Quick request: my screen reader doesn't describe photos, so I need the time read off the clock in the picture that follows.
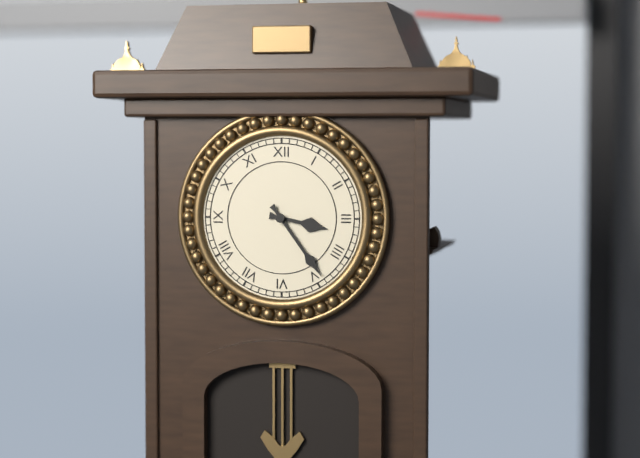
3:24
